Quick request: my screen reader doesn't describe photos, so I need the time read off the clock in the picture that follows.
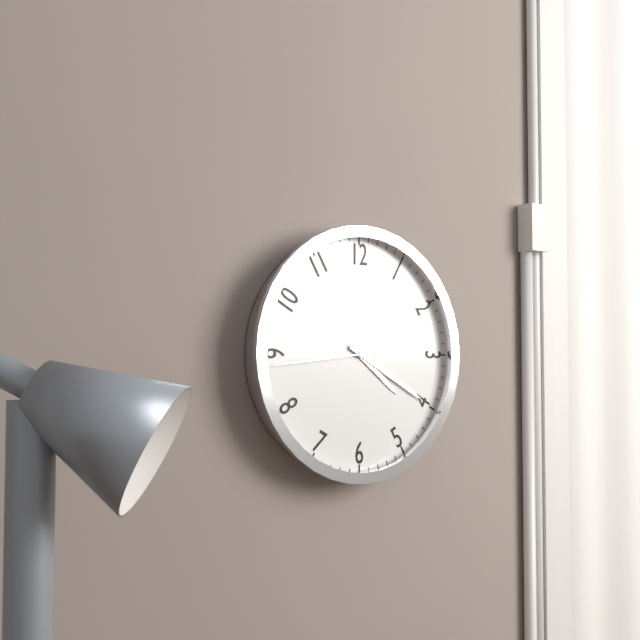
4:20:44
